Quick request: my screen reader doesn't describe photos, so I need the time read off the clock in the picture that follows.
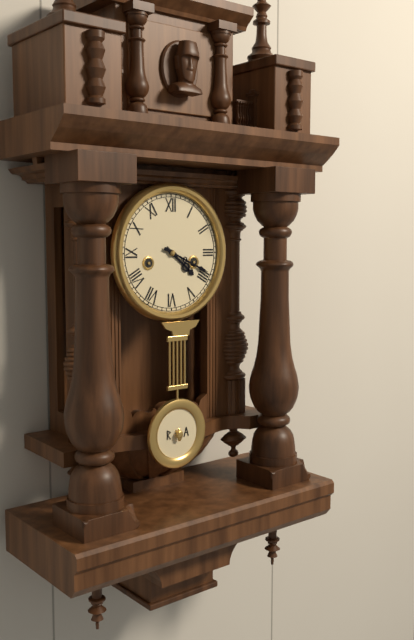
4:19
